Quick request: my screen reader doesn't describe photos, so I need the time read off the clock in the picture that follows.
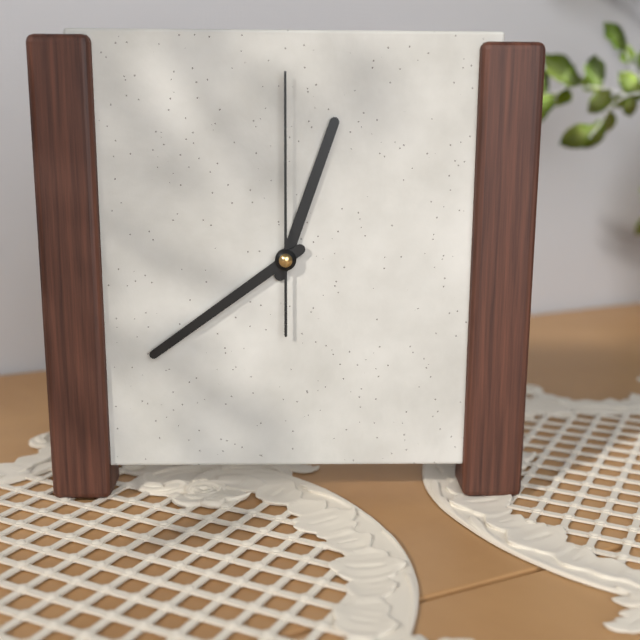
12:39:00
